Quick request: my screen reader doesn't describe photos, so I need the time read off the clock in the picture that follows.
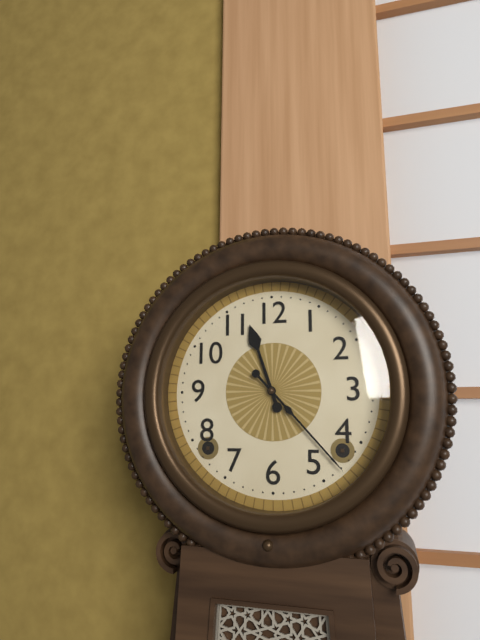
11:23
